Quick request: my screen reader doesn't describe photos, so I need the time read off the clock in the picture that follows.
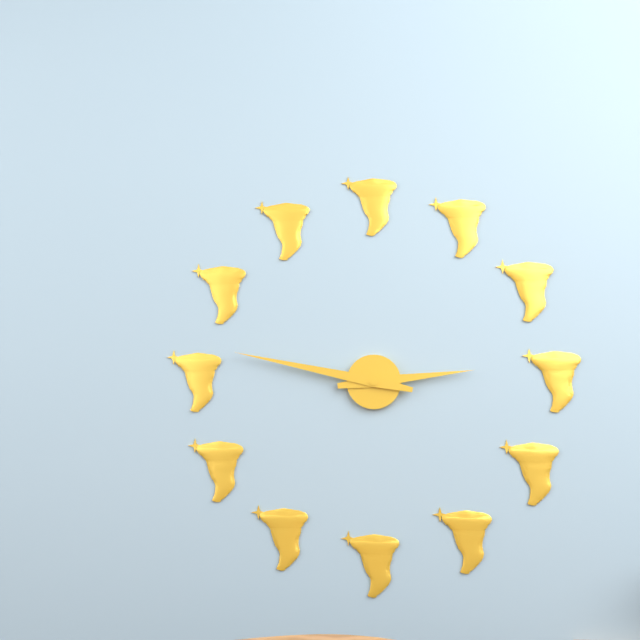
2:47
